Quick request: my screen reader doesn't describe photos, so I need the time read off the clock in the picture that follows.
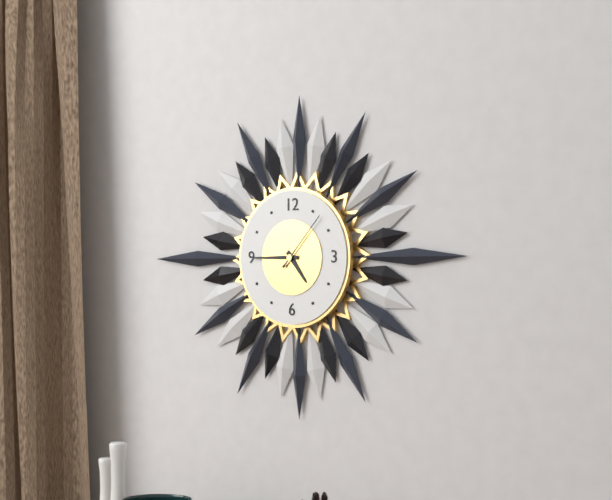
4:45:07
